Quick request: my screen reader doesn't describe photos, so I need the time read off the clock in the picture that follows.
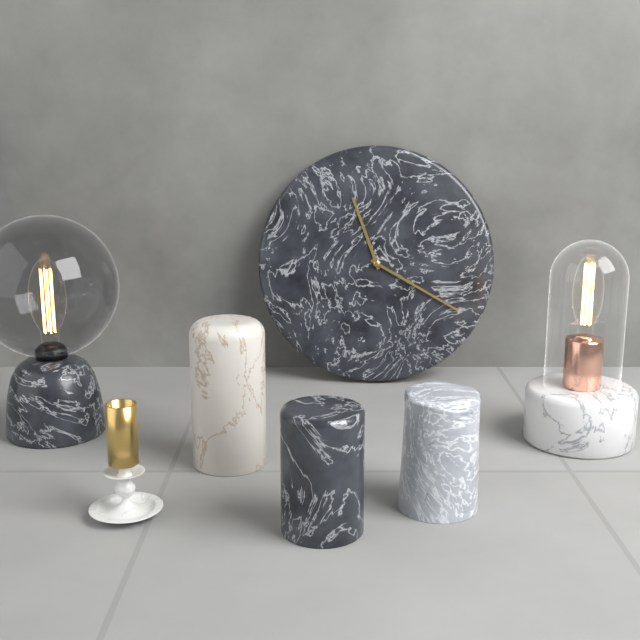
11:20
